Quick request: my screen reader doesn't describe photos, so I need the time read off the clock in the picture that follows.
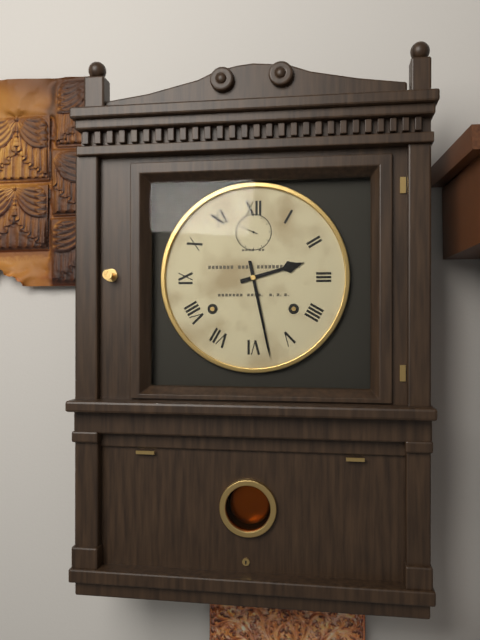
2:28
